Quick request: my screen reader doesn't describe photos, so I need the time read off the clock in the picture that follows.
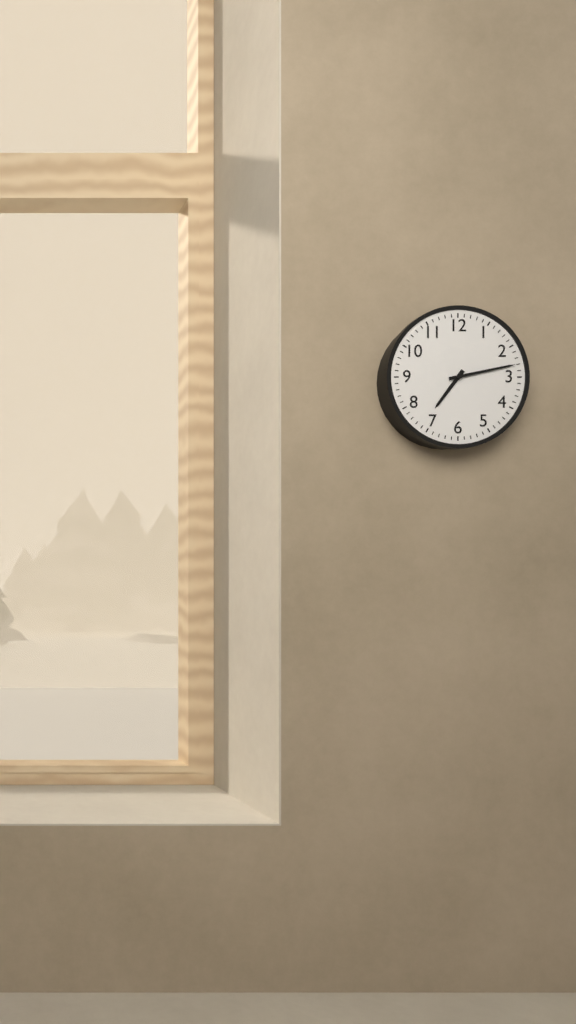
7:13
